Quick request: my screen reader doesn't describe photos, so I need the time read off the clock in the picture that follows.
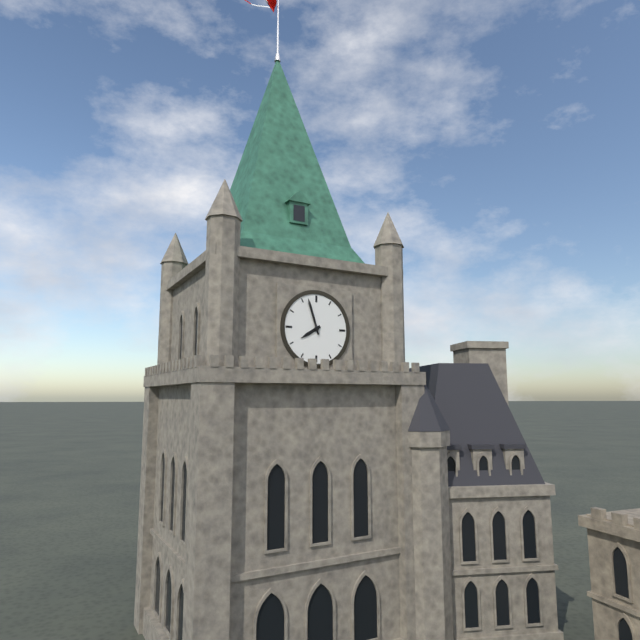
7:57
